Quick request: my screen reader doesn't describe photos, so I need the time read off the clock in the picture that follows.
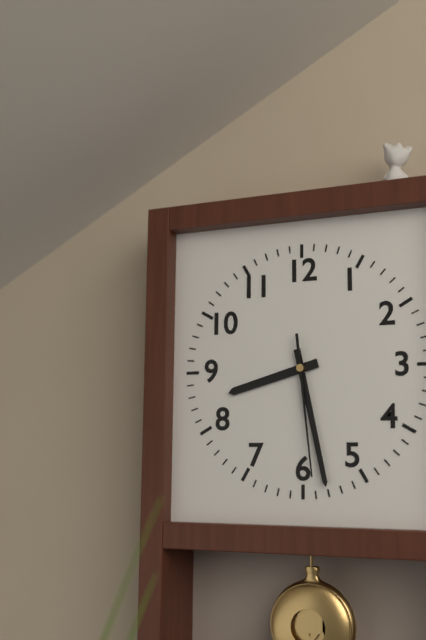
8:28:29
